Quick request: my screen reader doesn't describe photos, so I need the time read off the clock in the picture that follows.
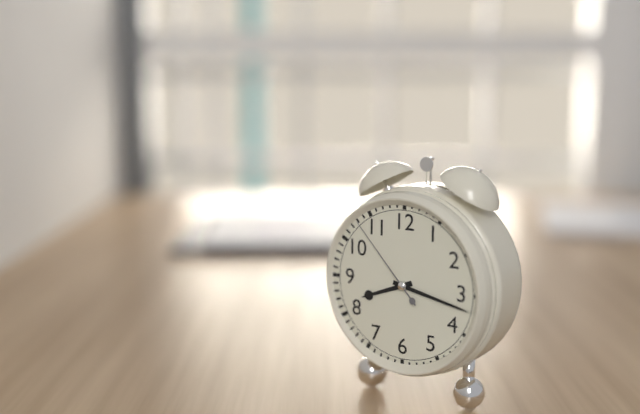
8:17:53
